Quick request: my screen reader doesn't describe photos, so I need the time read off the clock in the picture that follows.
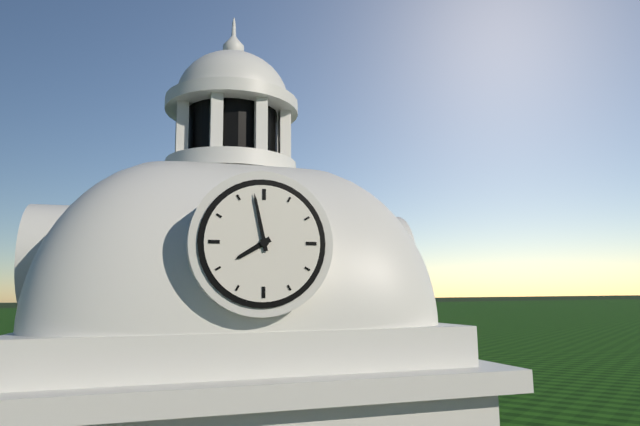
7:58
